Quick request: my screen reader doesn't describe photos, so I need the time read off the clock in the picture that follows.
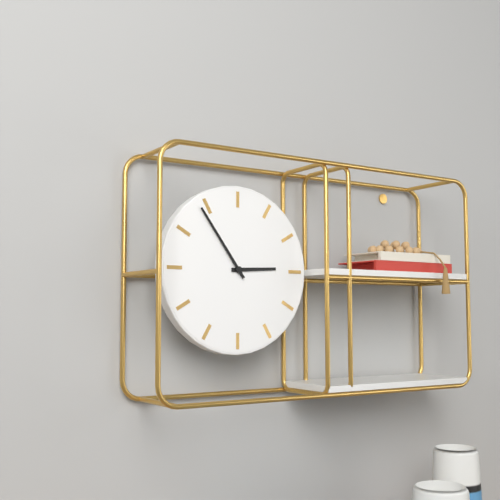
2:54
